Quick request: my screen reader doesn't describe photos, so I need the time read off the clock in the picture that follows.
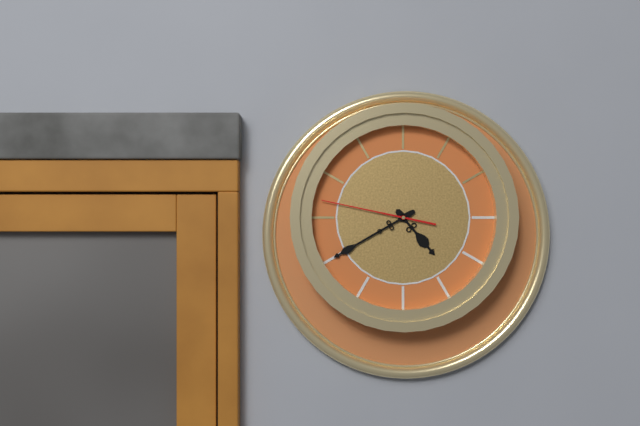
4:40:47
